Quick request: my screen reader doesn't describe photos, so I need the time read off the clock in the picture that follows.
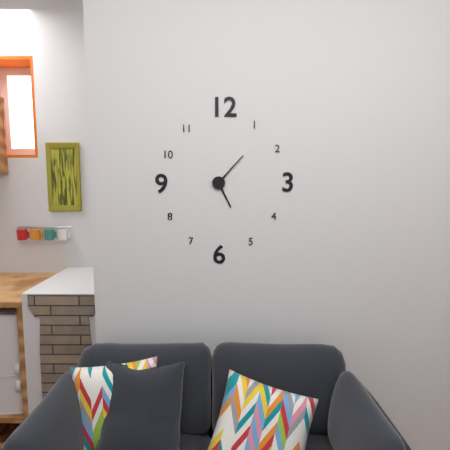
5:07
